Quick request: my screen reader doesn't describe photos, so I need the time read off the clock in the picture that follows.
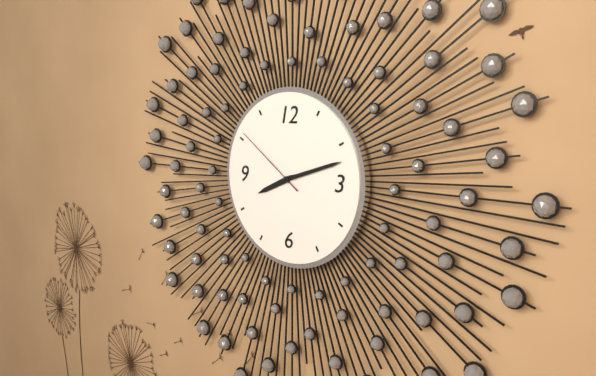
8:12:51
